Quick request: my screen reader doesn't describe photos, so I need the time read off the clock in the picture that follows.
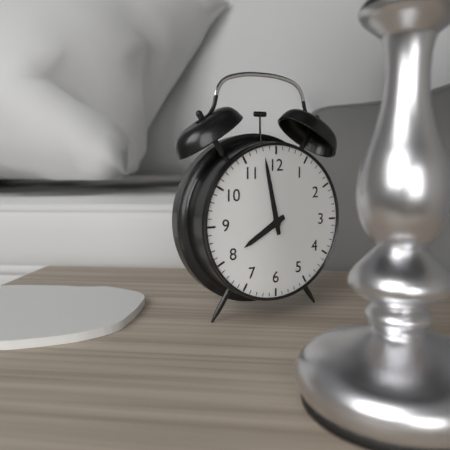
7:58
